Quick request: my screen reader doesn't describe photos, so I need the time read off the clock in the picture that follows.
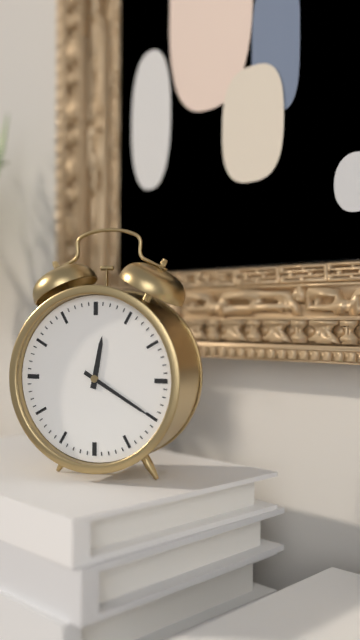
12:20
